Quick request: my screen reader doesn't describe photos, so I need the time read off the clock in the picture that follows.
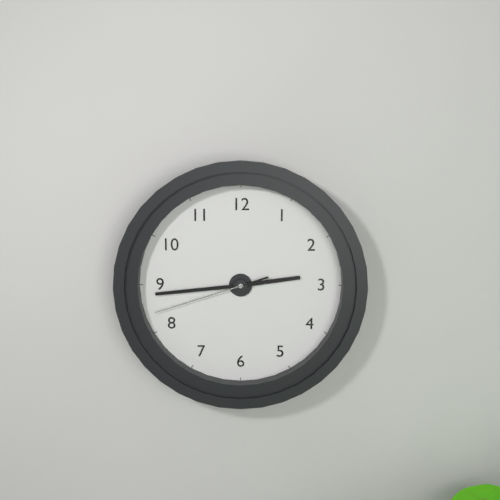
2:44:42
